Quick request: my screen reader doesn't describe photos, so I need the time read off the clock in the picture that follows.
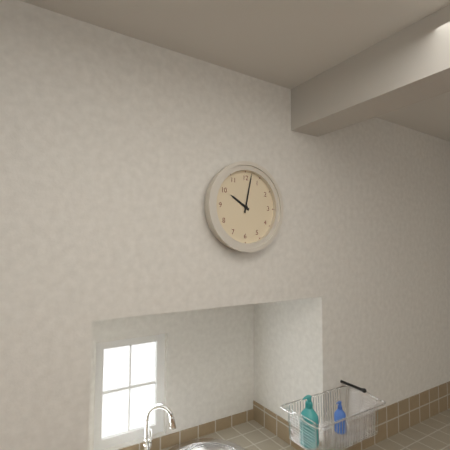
10:02
